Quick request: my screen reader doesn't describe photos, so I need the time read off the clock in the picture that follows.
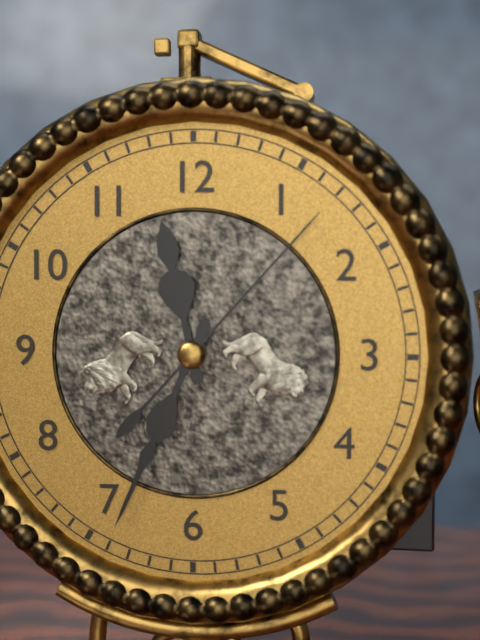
11:34:07
